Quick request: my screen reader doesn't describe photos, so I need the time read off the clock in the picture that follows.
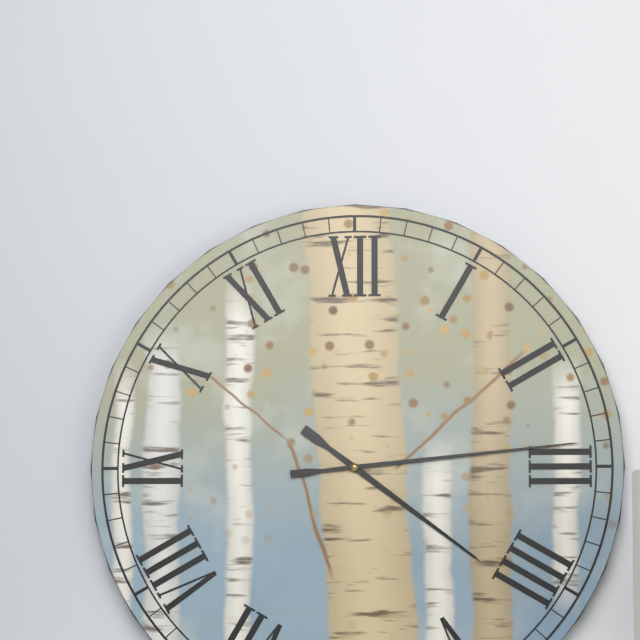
4:14
